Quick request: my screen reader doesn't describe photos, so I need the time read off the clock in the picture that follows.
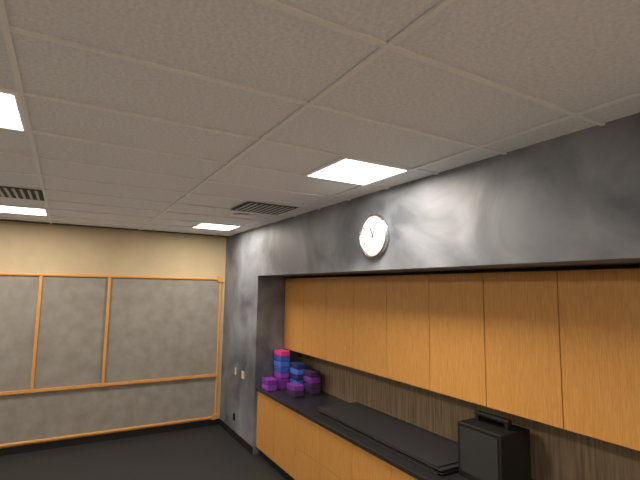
11:05
